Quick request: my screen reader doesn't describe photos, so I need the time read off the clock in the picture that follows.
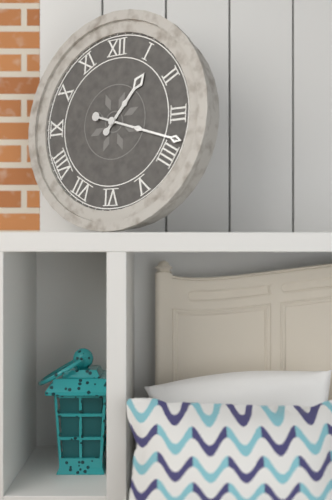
1:18
